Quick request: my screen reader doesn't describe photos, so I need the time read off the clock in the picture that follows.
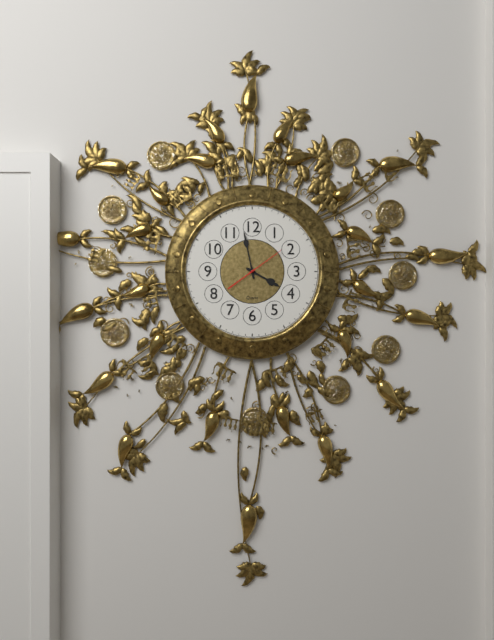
3:58
